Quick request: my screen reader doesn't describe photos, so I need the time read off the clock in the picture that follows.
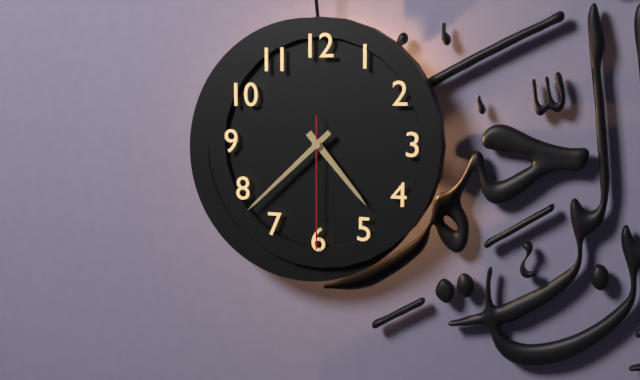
4:38:30
